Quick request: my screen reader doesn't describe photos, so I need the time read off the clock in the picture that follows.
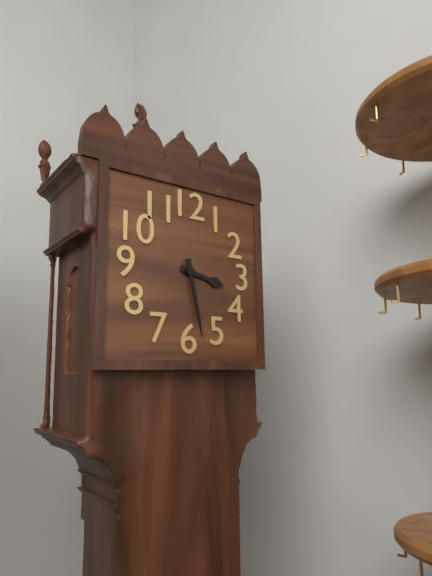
3:28
